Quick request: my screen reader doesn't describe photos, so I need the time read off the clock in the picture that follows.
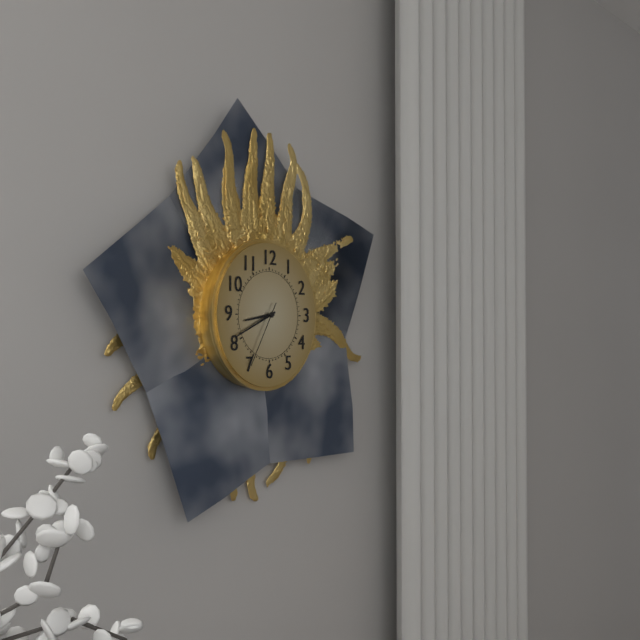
8:41:35
